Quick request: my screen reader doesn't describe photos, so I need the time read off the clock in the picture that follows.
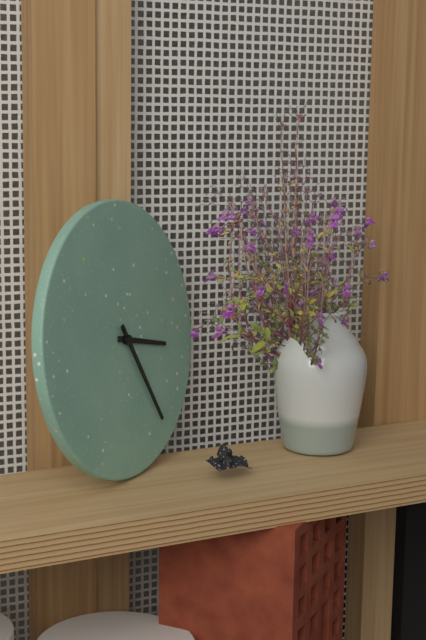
3:25
